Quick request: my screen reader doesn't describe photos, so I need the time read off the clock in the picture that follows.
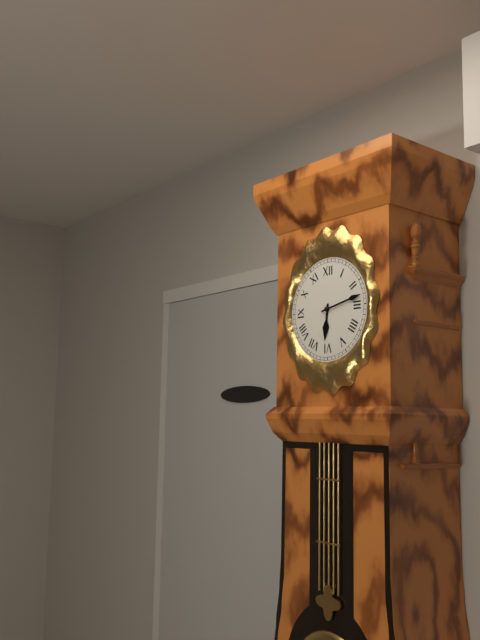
6:13
